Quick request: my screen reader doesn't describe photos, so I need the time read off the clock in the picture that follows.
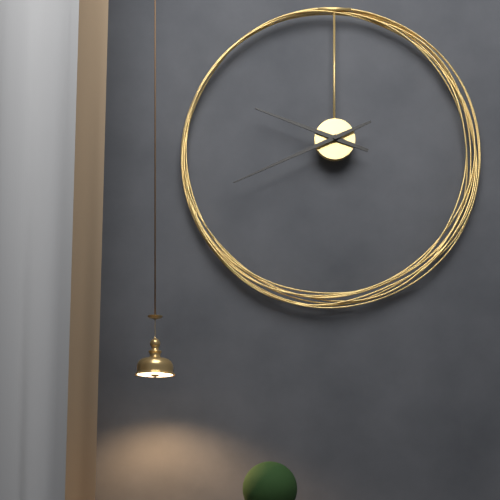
9:41
